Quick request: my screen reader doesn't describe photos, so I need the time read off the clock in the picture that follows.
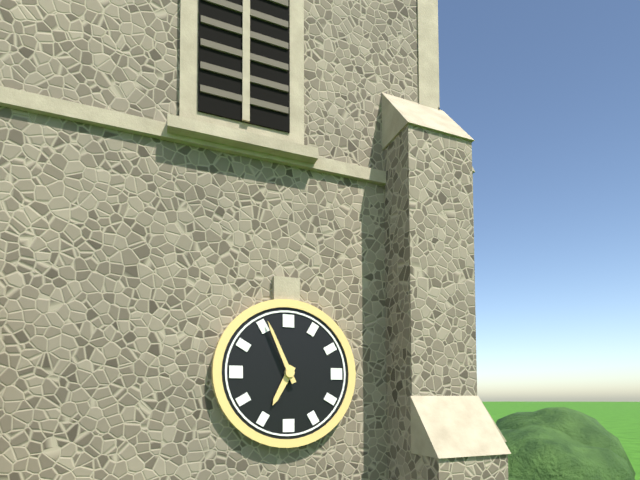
6:56
